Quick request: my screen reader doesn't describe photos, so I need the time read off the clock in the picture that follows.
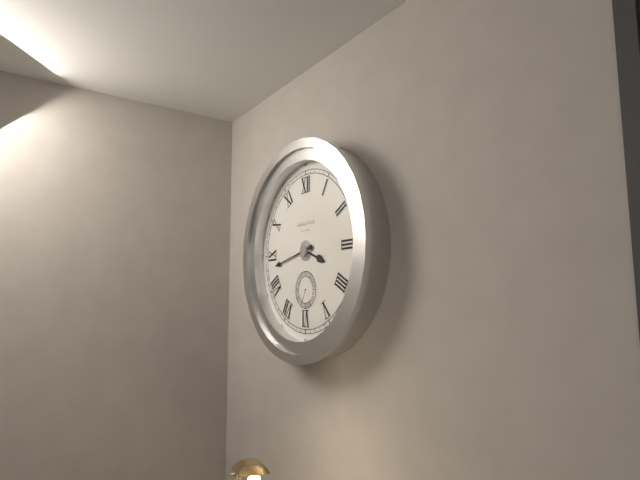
3:43
